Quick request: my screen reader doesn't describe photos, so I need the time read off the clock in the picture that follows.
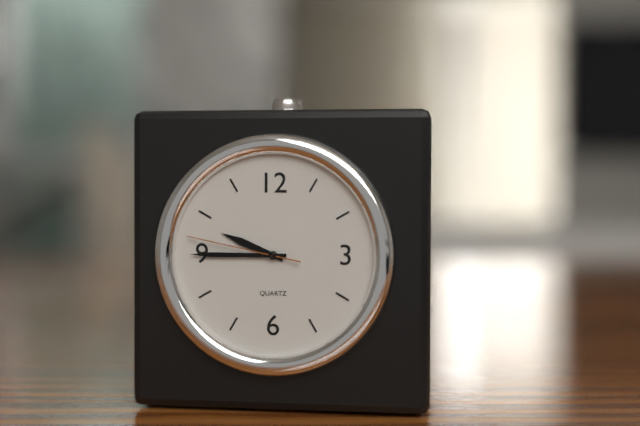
9:45:47
